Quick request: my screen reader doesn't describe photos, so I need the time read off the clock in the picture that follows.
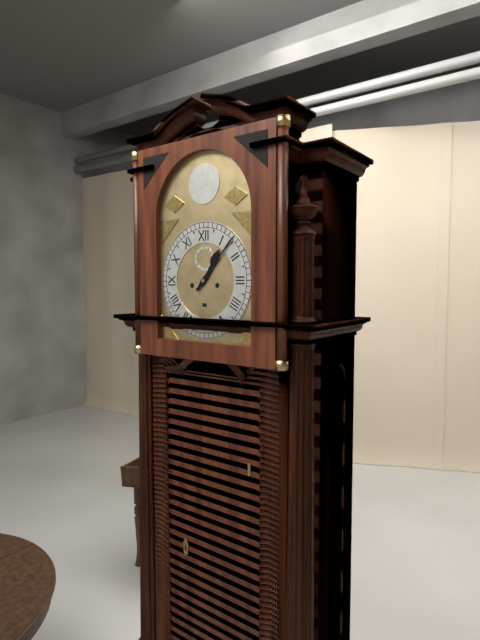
1:07
